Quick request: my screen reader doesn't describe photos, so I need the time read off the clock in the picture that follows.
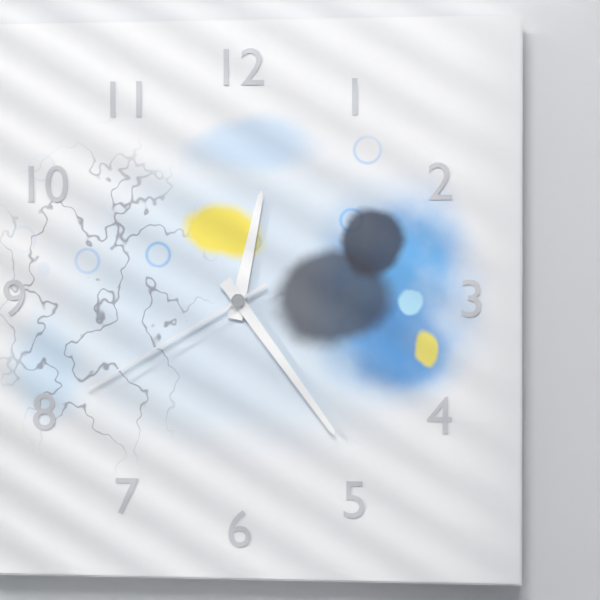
12:24:40
